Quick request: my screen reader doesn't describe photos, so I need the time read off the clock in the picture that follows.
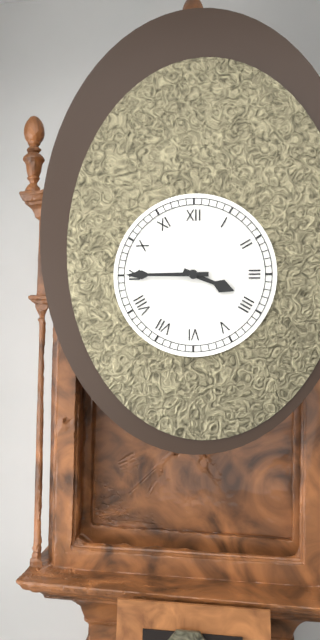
3:45
